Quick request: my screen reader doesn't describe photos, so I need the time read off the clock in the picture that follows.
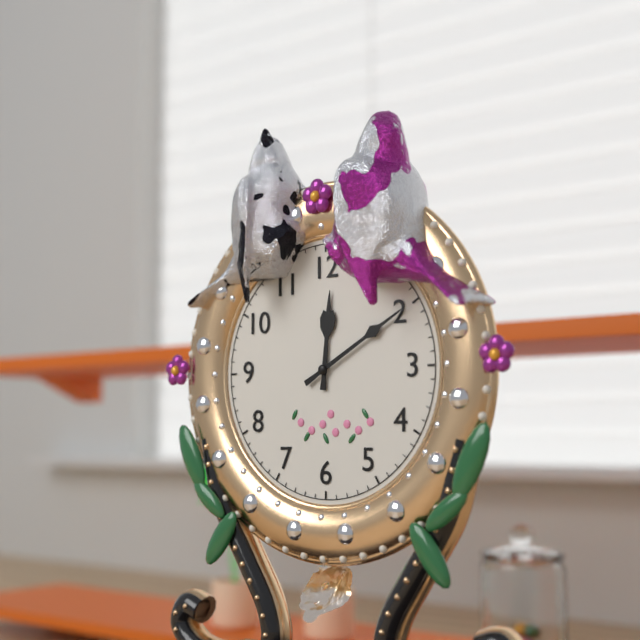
12:10
